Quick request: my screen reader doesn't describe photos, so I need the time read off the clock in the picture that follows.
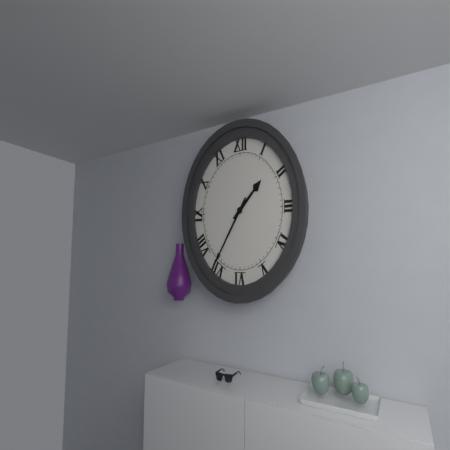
1:36
